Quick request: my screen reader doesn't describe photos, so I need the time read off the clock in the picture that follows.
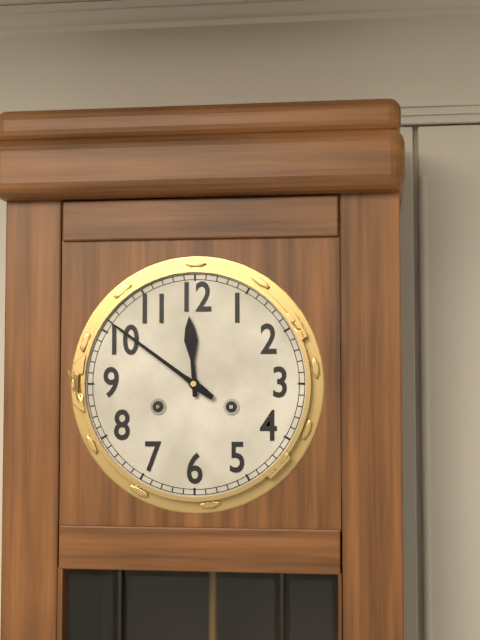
11:51
